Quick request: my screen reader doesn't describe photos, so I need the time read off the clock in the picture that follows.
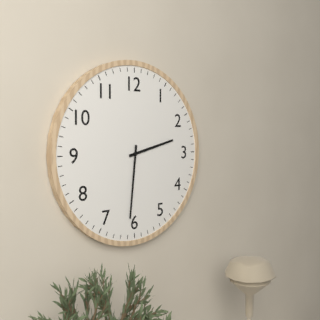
2:31
